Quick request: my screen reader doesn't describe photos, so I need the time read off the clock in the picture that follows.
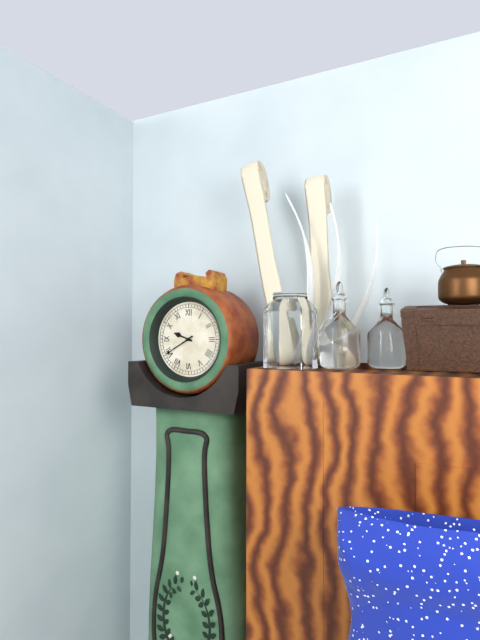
9:40
